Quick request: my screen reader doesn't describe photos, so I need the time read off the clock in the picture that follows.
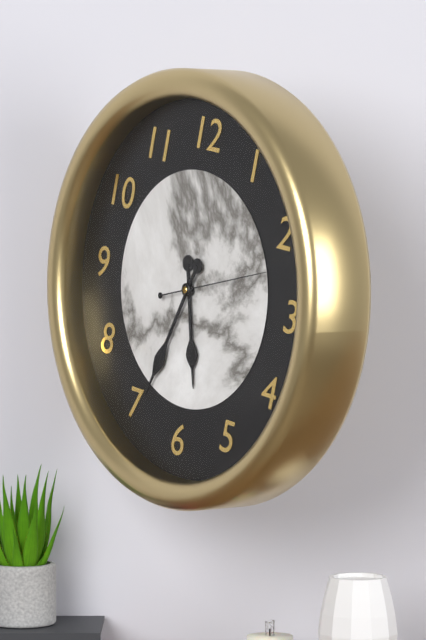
5:34:12
